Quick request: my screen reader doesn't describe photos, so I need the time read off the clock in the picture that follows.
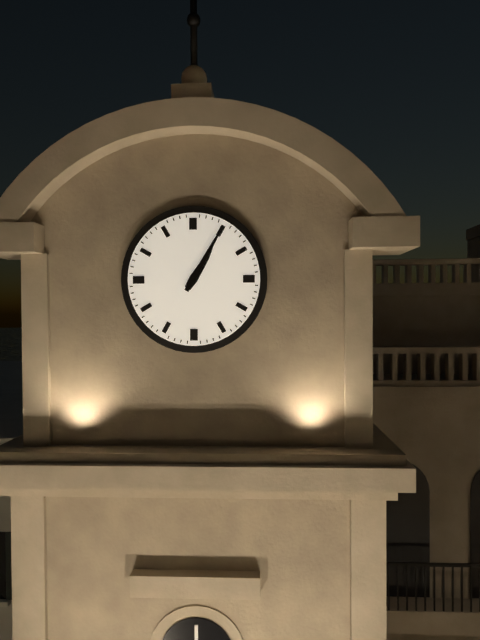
1:05
